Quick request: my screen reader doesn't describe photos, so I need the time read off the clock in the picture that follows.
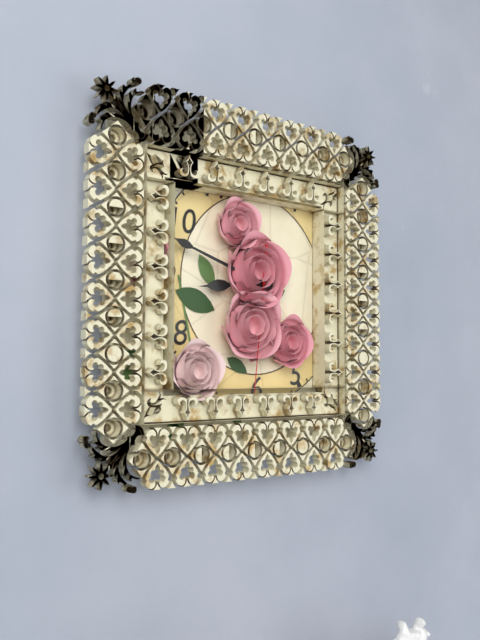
8:48:31
